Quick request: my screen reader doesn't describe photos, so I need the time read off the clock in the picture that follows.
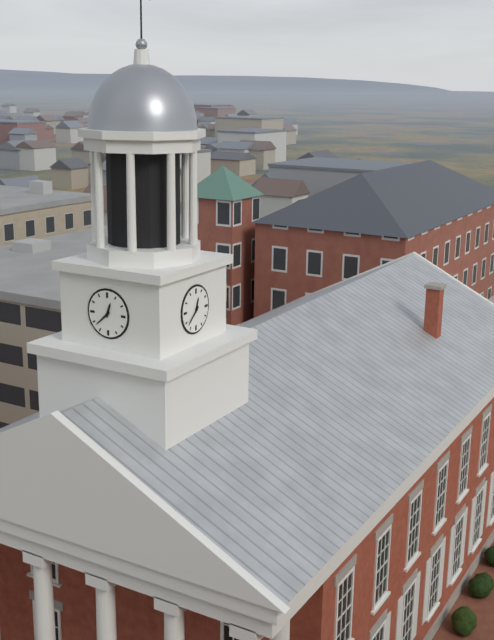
12:38
